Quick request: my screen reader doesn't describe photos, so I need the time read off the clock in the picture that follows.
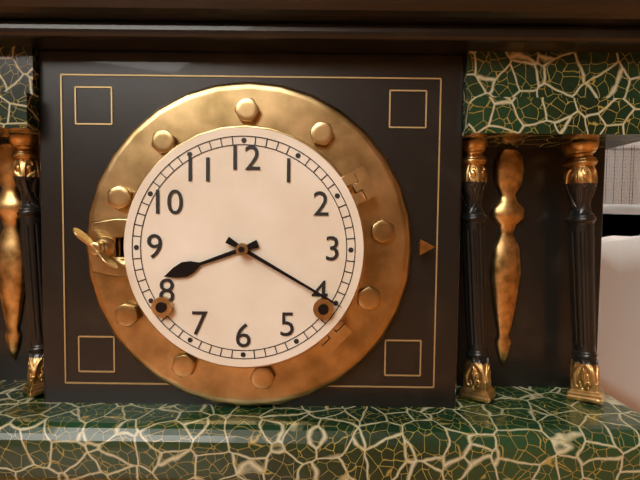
8:20
